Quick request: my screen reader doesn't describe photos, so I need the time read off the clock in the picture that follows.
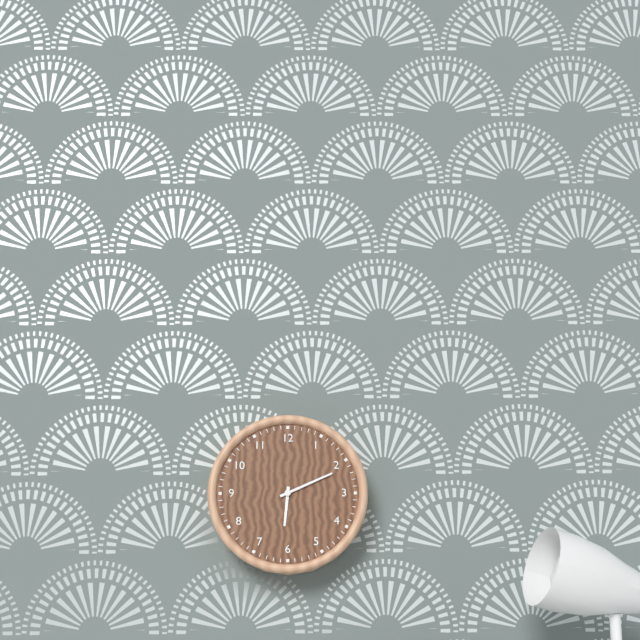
6:11
